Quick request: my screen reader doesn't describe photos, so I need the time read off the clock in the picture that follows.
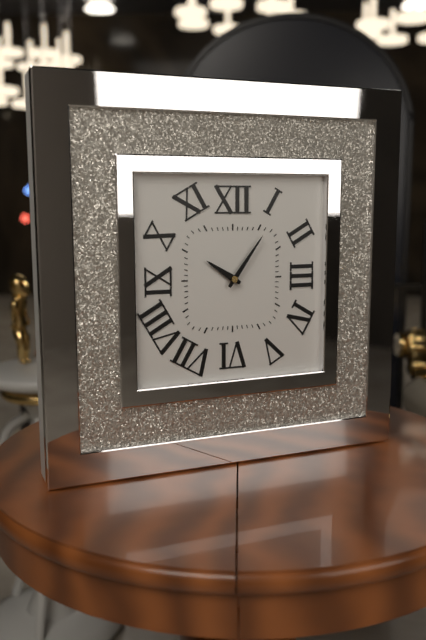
10:06
